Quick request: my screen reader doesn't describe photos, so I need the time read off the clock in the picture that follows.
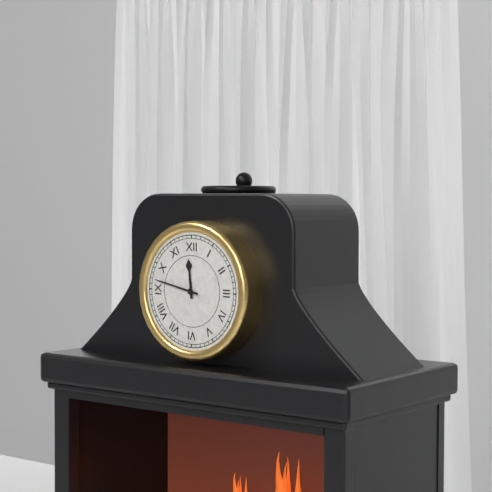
11:47
